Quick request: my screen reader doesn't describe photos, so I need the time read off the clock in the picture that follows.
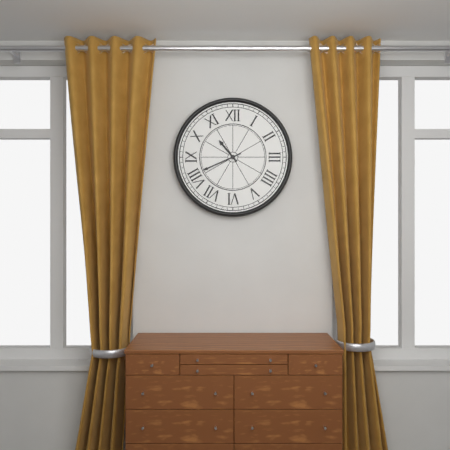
10:41
